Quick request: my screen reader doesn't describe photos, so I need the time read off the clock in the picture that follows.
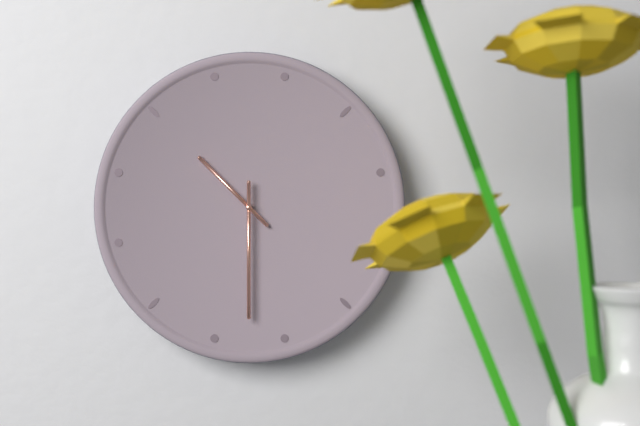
10:30
